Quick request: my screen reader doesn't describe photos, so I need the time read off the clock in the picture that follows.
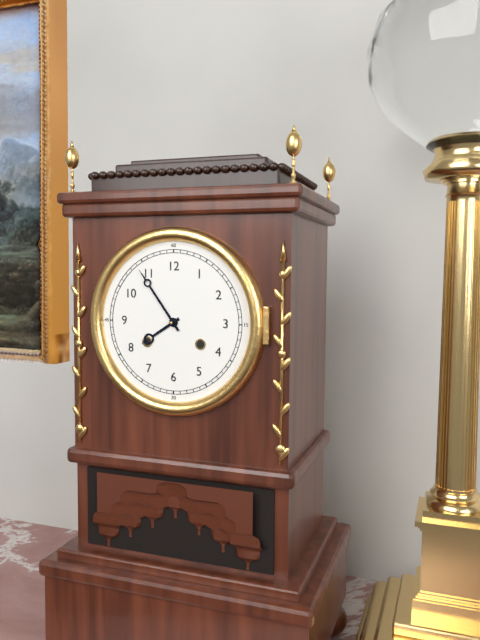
7:54
